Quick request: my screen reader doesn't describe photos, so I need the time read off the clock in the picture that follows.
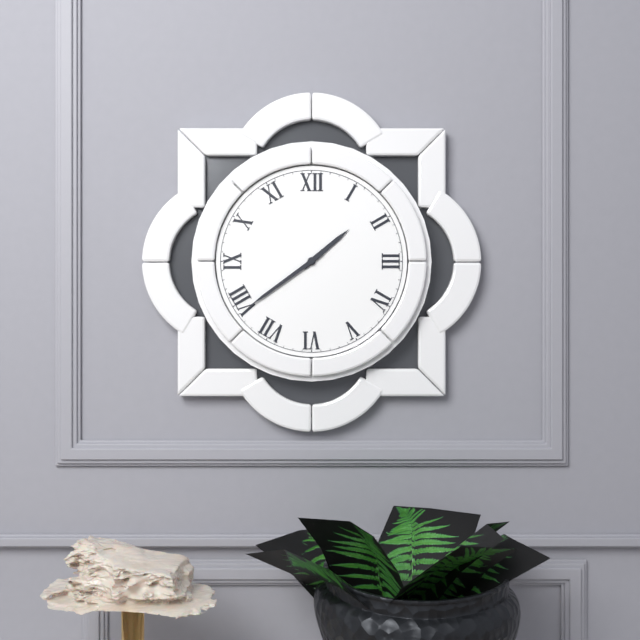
1:39
